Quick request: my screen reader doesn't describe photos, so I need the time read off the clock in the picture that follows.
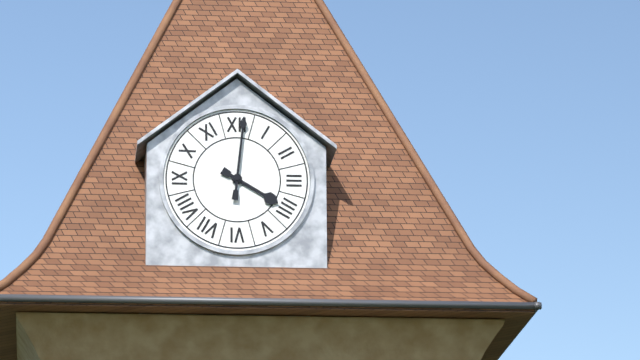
4:01
